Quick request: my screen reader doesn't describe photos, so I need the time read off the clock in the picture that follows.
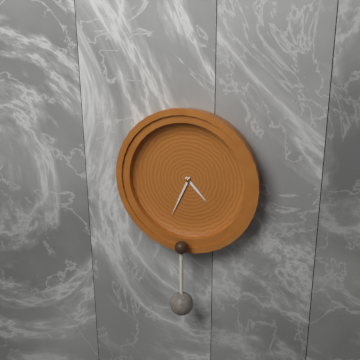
4:34
